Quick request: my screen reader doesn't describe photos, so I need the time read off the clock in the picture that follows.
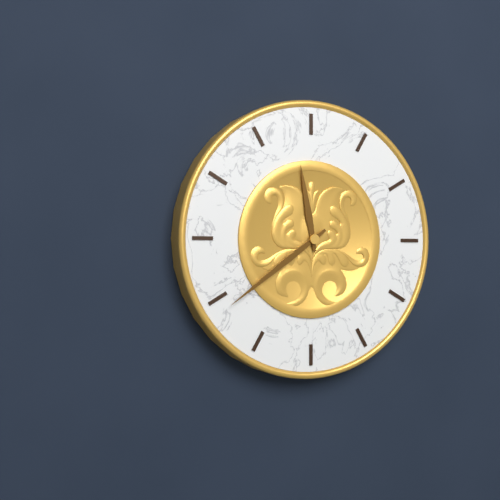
11:39
